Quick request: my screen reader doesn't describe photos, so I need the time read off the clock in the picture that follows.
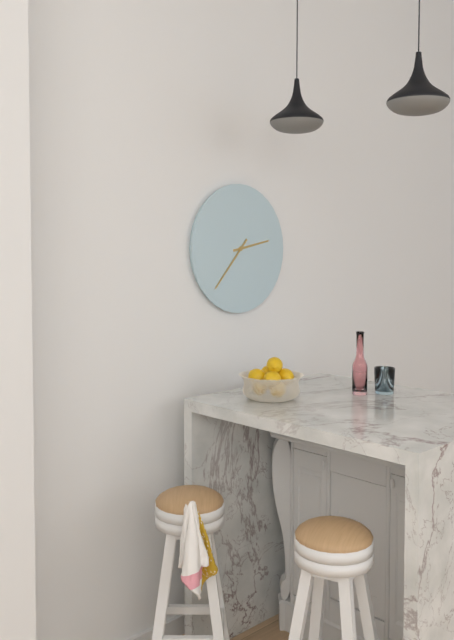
2:37
